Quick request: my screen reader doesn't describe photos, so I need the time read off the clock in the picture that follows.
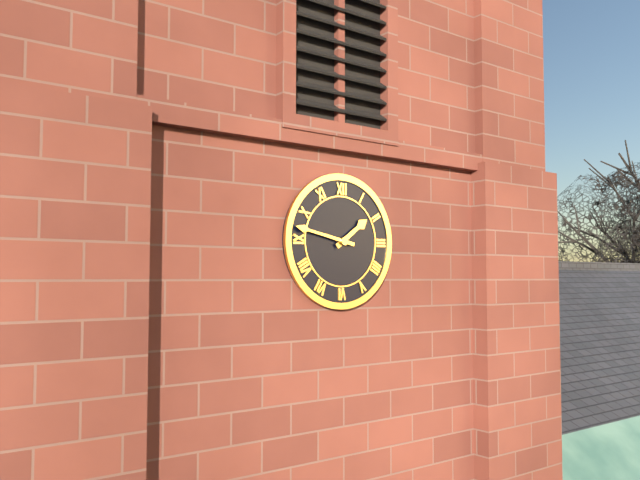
1:47
